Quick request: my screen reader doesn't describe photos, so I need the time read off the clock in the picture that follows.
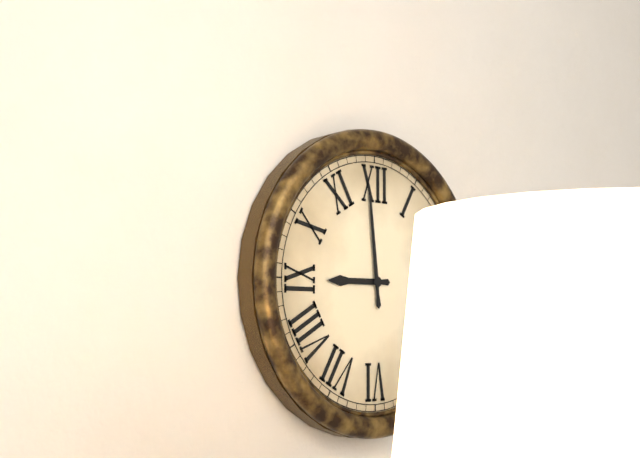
8:59
